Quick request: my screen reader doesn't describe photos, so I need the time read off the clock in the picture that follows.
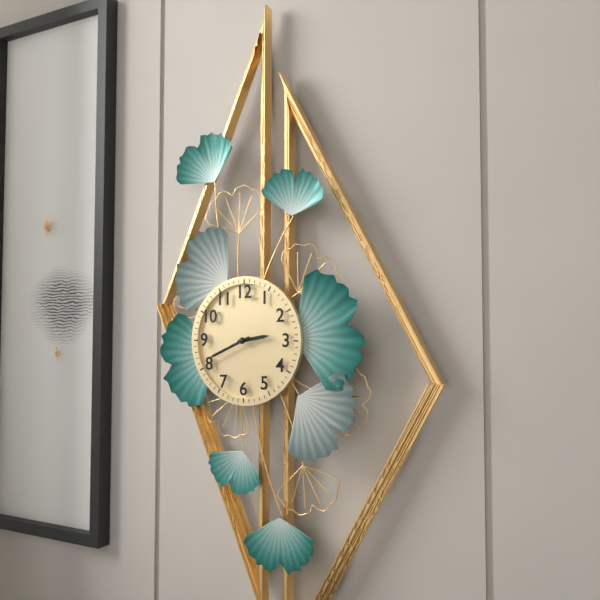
2:41
